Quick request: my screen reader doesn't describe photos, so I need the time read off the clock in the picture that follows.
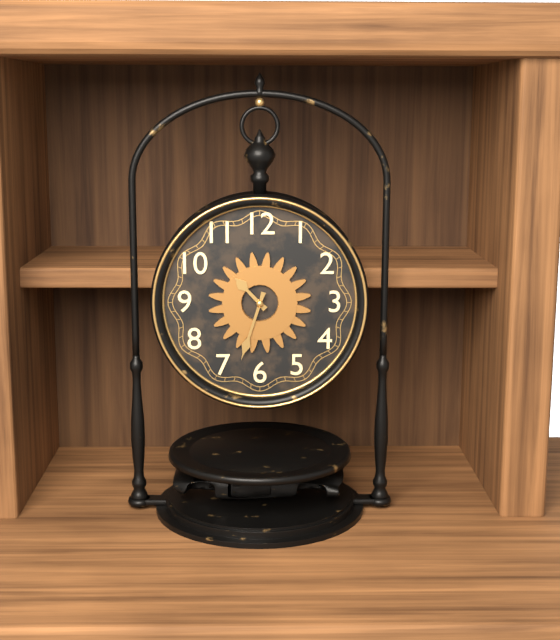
10:33
